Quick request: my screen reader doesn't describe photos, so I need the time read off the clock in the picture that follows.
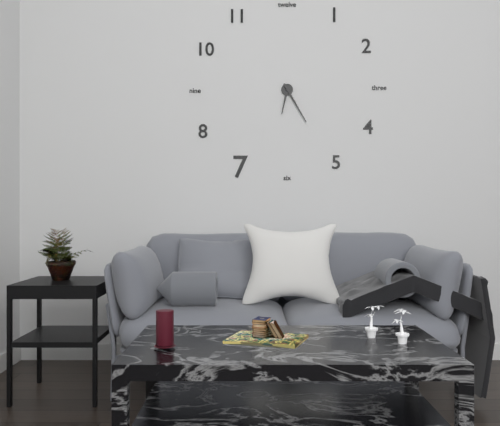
6:25
